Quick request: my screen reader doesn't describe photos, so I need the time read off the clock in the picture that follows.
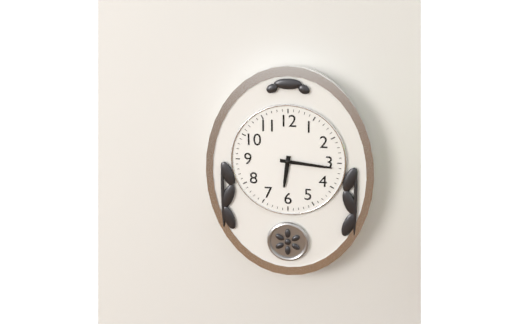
6:16
